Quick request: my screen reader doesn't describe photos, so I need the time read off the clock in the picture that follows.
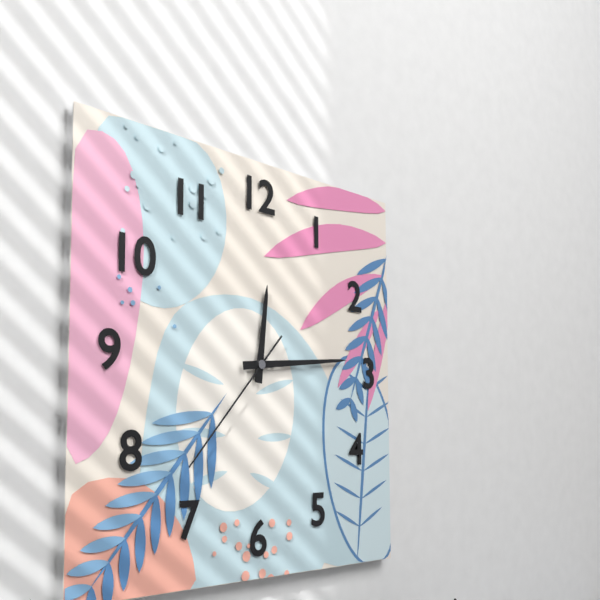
12:14:37
